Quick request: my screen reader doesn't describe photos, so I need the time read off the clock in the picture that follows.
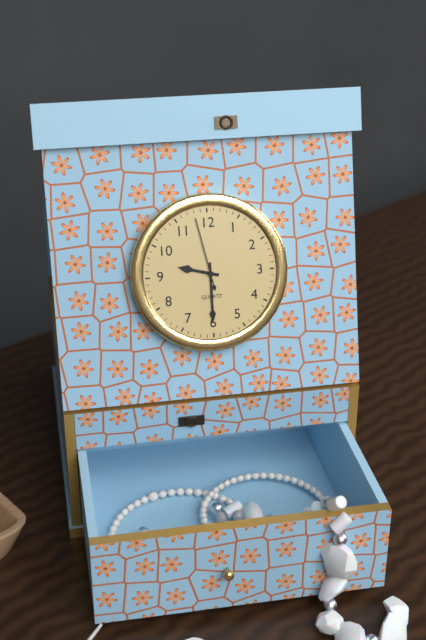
9:30:58
